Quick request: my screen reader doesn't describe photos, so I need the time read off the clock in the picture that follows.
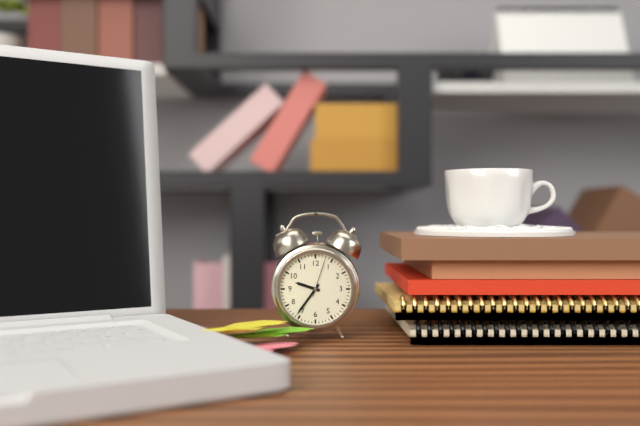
9:36
